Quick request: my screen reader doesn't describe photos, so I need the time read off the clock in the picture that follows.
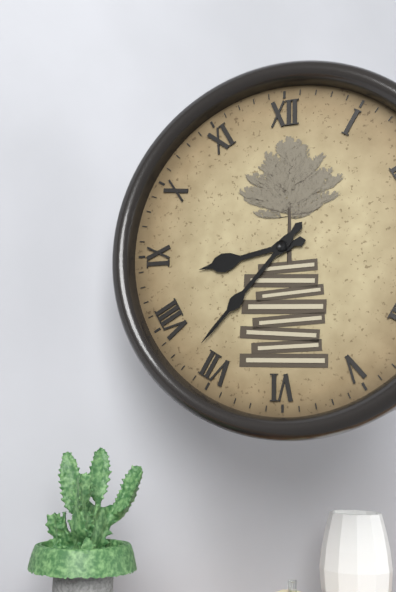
8:37
